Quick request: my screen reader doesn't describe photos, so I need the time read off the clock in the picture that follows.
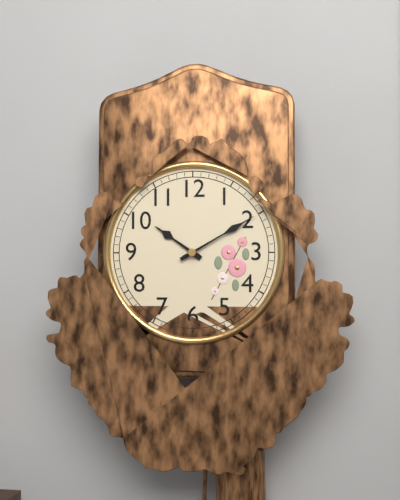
10:10
